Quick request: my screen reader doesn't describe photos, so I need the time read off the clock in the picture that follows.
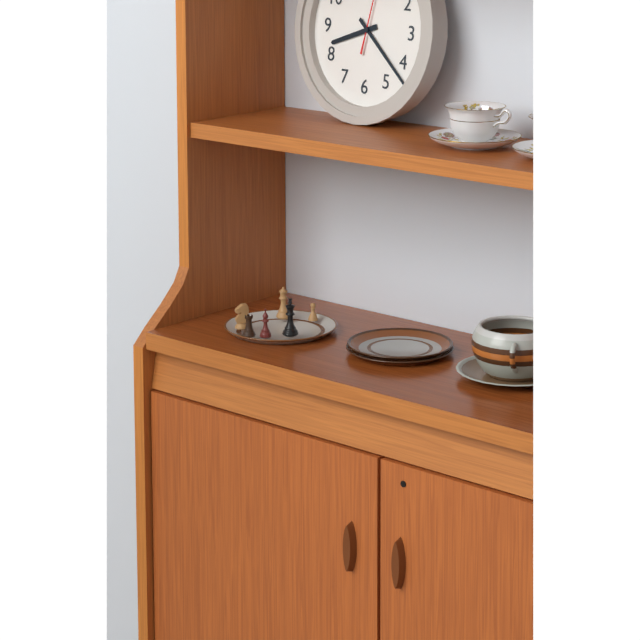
8:22
